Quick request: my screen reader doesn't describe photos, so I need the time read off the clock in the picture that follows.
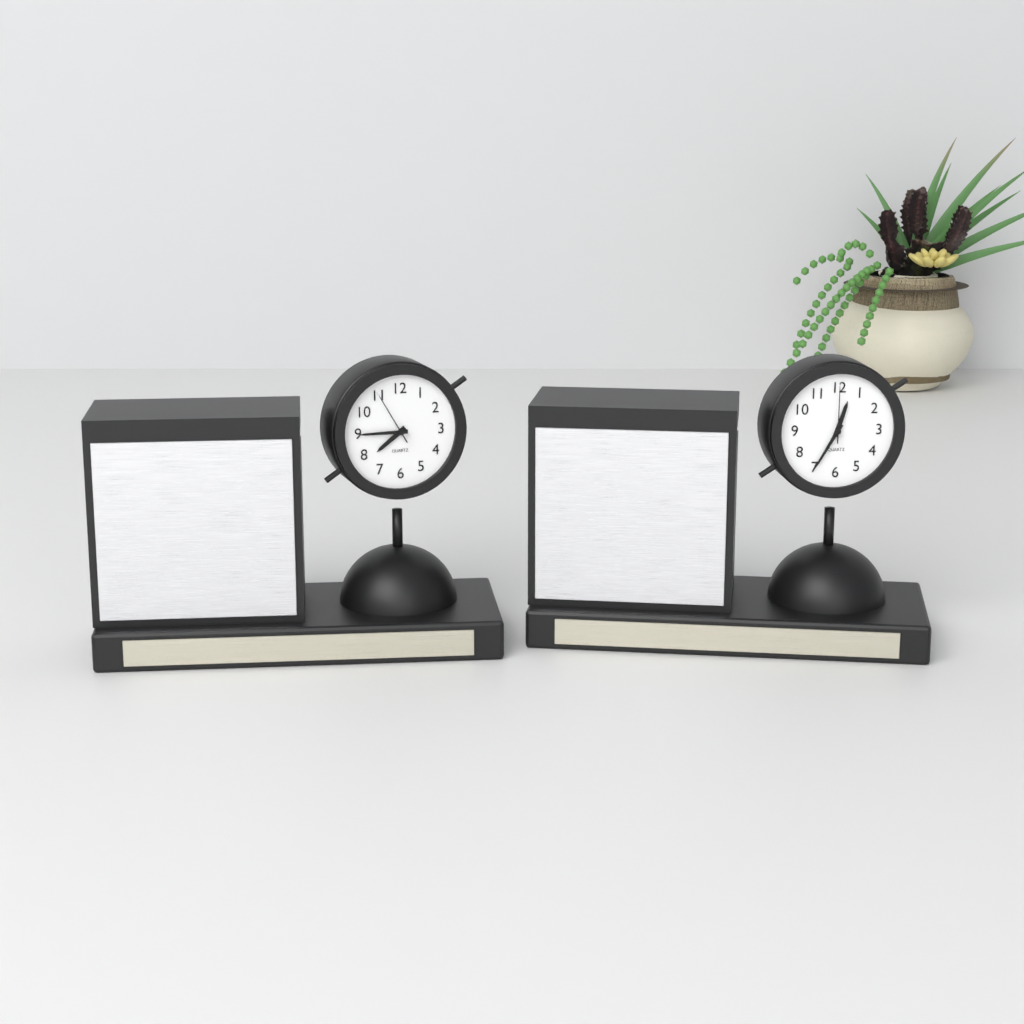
7:45:55
